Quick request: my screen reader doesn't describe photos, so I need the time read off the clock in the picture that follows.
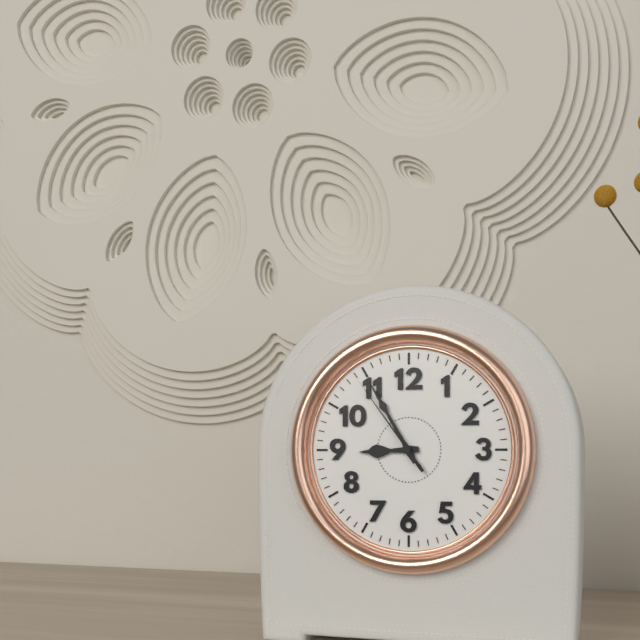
8:55:54
